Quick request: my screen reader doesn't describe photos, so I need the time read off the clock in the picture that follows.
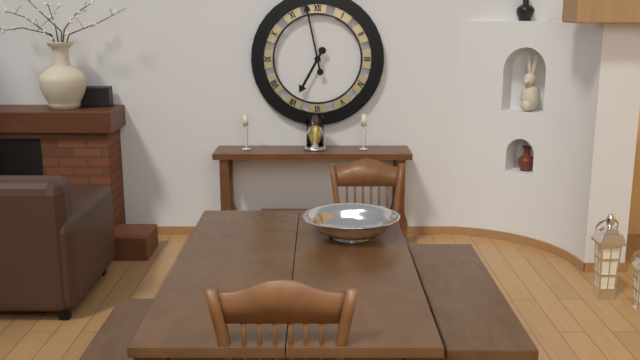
6:58
